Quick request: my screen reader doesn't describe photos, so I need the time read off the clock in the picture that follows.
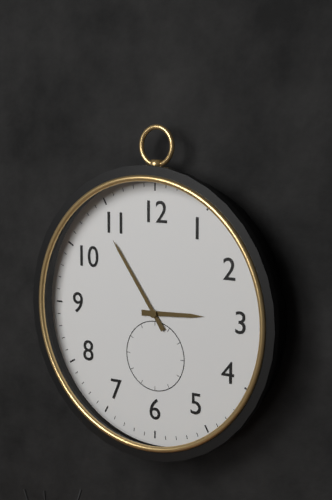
2:54
